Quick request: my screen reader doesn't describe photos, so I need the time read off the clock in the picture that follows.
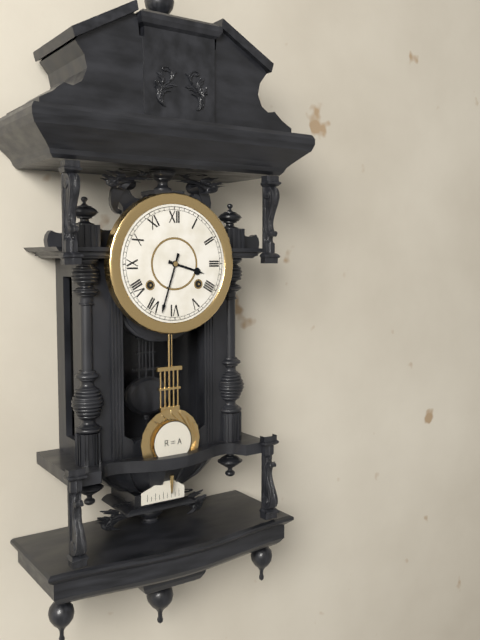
3:33
